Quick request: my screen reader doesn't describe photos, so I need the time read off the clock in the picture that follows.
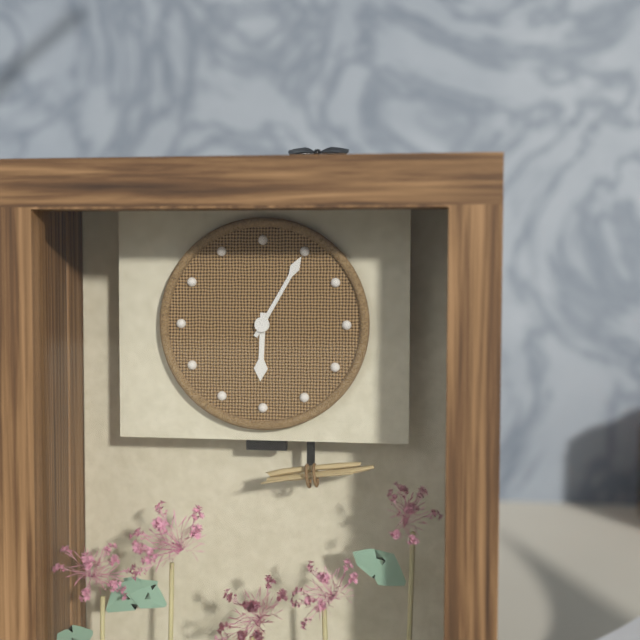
6:05
